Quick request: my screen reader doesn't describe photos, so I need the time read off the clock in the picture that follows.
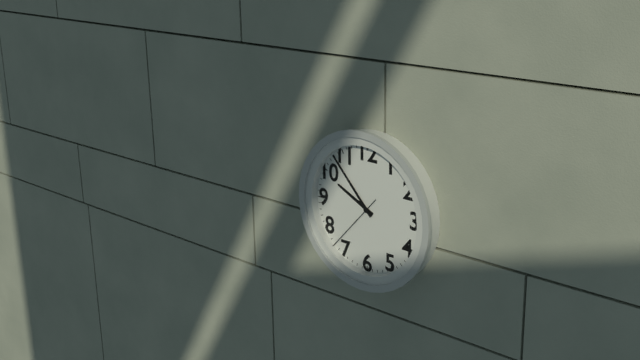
9:53:37
